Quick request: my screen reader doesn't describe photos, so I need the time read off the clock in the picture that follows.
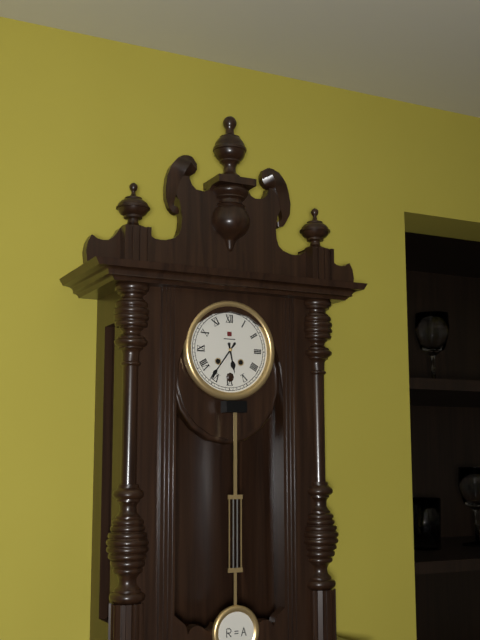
5:36
